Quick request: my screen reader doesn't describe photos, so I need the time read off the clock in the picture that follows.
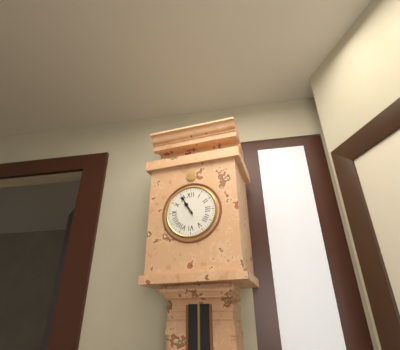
10:55
